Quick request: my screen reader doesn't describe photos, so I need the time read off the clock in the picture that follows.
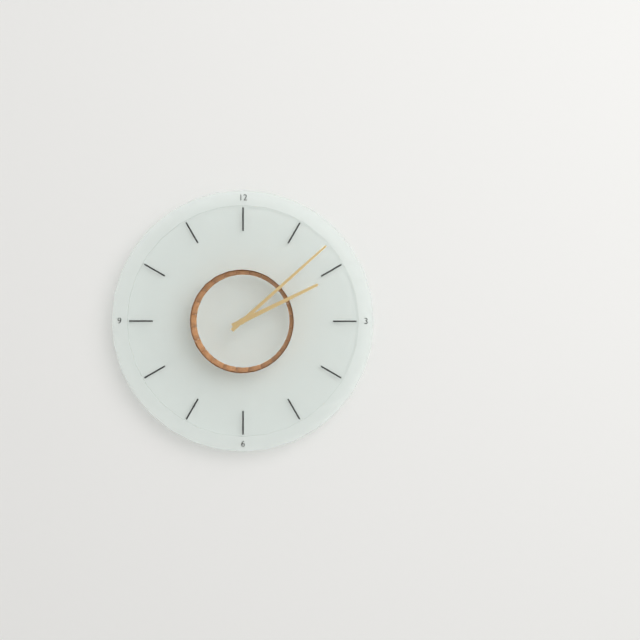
2:08
